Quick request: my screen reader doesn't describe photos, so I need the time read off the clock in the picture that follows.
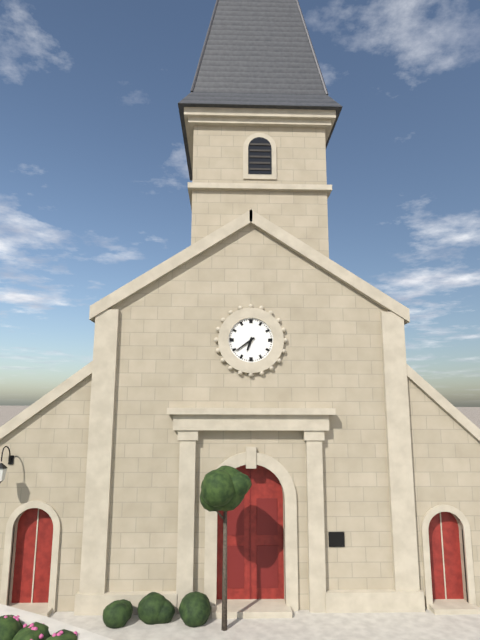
6:39
